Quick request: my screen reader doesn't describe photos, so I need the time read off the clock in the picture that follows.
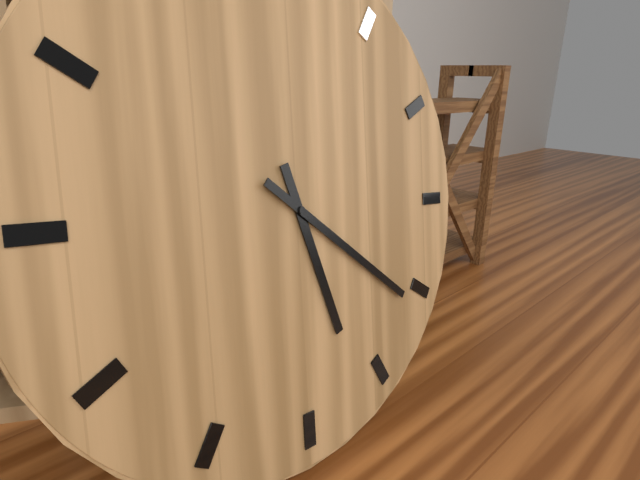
5:21
